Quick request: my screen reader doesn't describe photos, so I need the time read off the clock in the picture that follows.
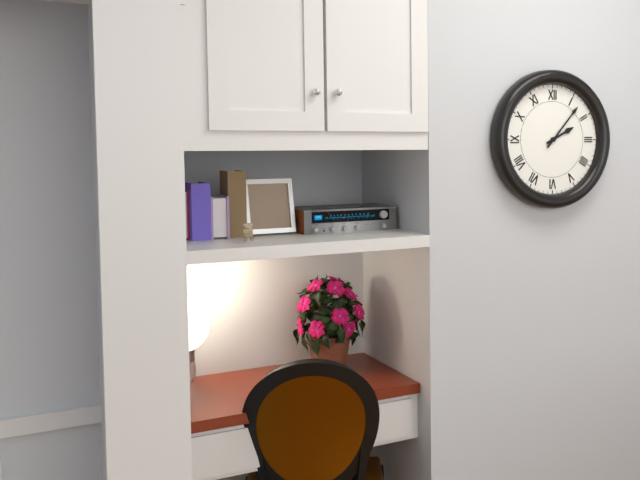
2:07
